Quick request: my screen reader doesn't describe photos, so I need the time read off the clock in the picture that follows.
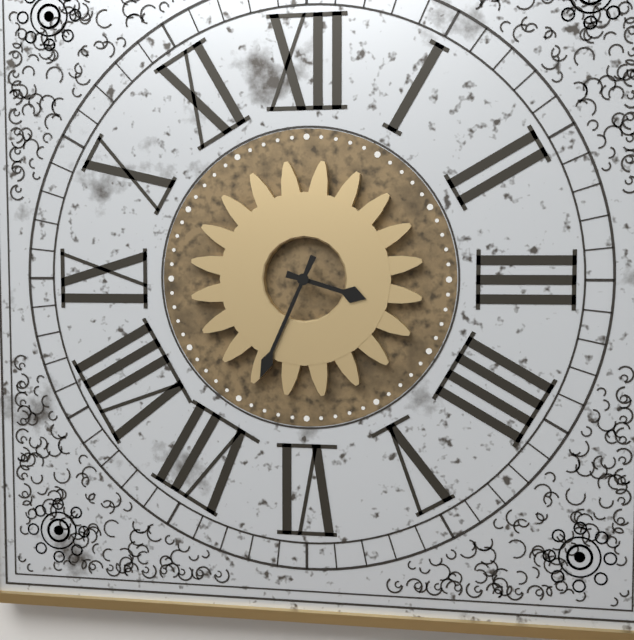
3:34
